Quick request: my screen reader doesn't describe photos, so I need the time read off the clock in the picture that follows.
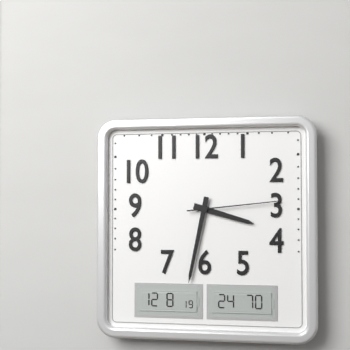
3:32:14
